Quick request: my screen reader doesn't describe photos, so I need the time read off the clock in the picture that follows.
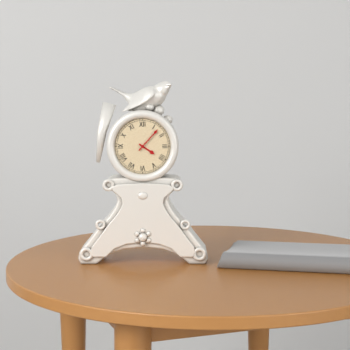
4:07
